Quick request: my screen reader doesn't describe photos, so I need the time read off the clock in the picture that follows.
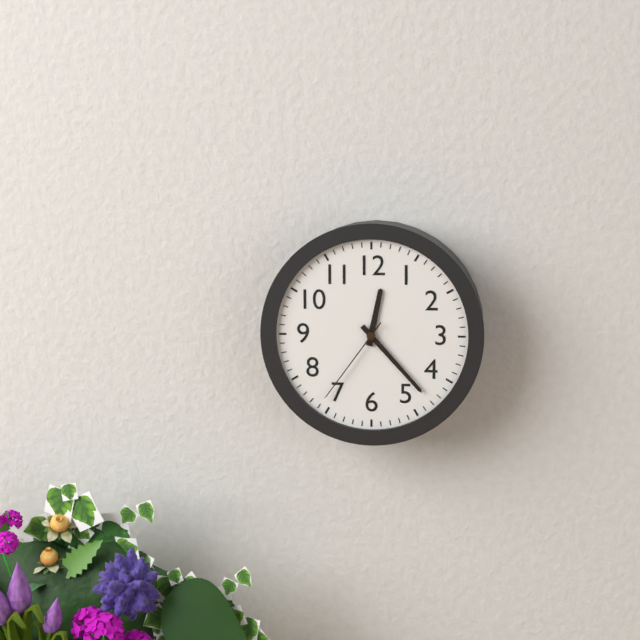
12:23:36
